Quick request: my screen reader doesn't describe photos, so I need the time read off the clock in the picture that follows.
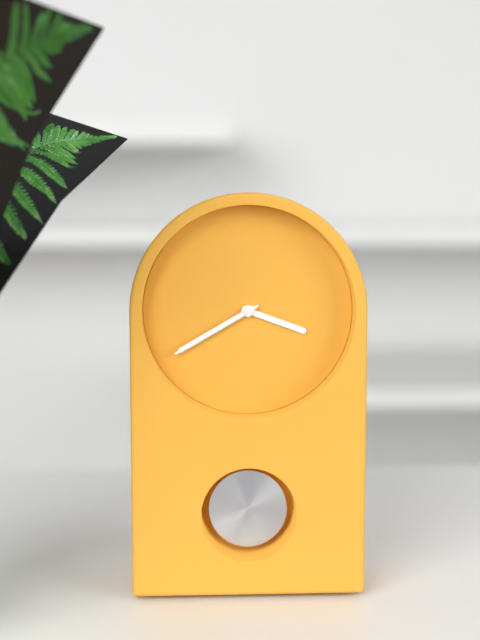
3:40:40
